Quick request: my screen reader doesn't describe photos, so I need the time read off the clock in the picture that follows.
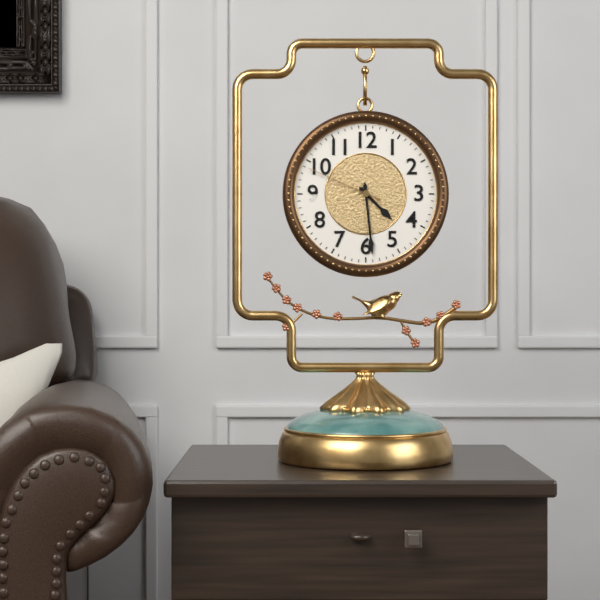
4:29:49
